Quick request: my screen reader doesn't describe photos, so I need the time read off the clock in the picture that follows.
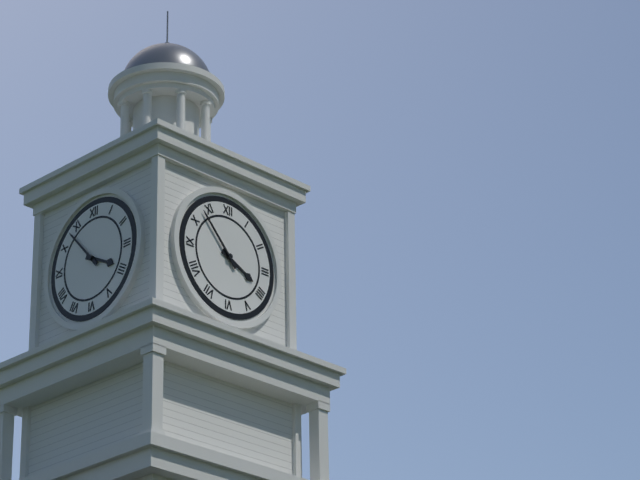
3:53
